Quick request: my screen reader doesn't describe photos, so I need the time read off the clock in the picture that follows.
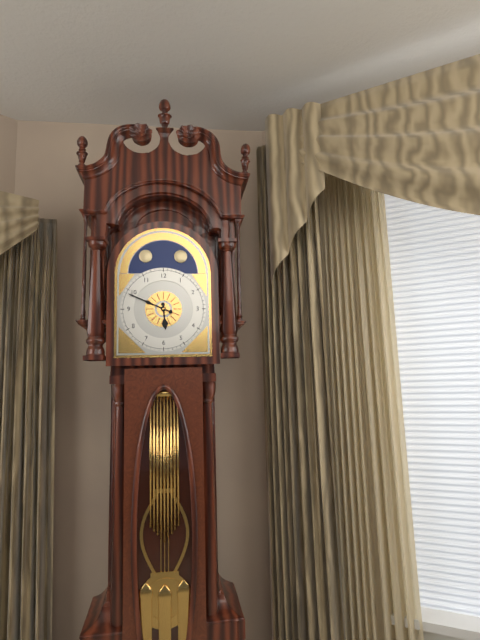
5:49
